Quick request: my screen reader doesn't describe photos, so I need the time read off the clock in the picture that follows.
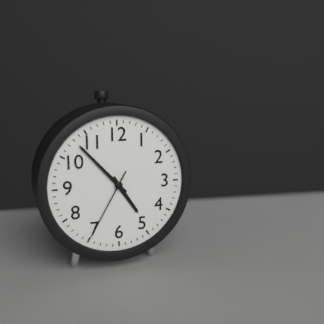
4:53:35
